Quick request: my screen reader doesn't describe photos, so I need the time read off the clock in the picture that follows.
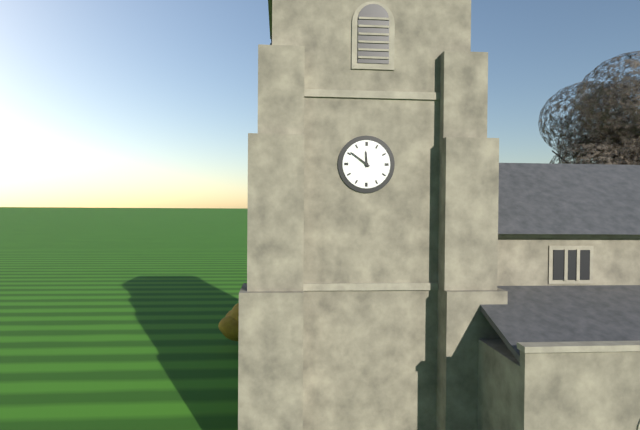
11:51
